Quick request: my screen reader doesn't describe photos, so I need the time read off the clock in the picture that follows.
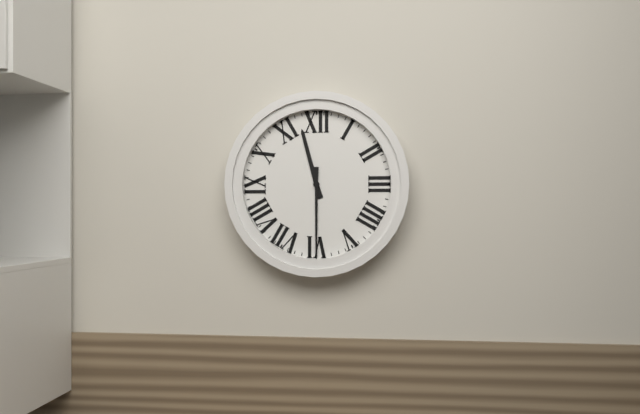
11:30
